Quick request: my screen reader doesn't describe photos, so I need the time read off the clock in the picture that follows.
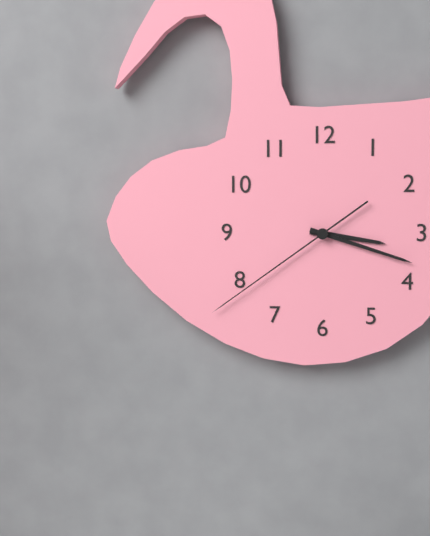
3:18:39
